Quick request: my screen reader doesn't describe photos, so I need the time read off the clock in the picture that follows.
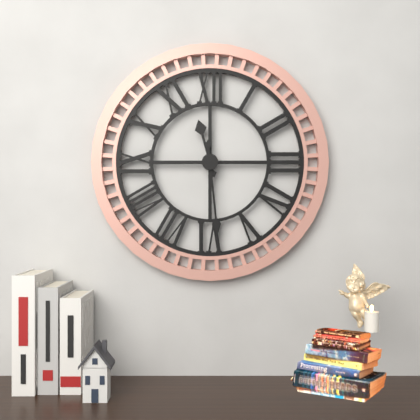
11:29
